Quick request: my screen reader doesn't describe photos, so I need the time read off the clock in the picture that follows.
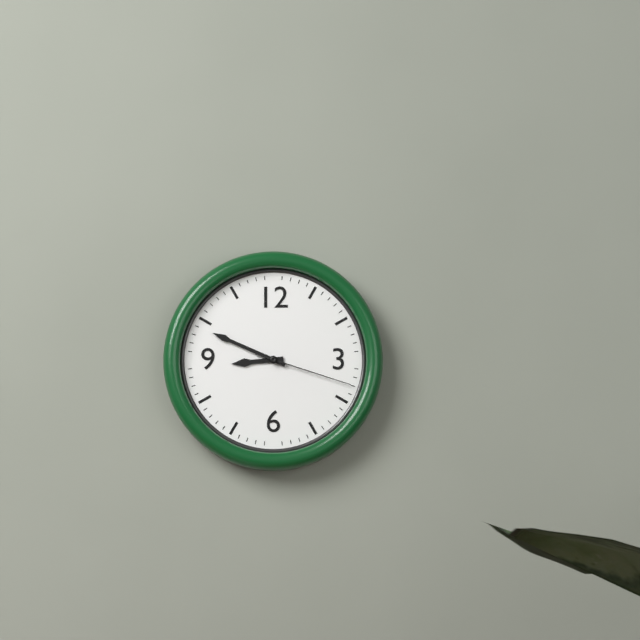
8:49:18
